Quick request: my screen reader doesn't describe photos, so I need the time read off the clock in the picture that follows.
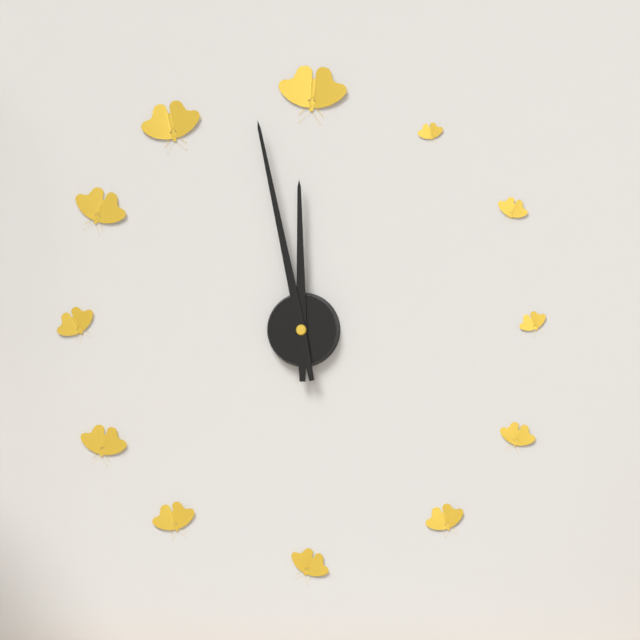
11:58
